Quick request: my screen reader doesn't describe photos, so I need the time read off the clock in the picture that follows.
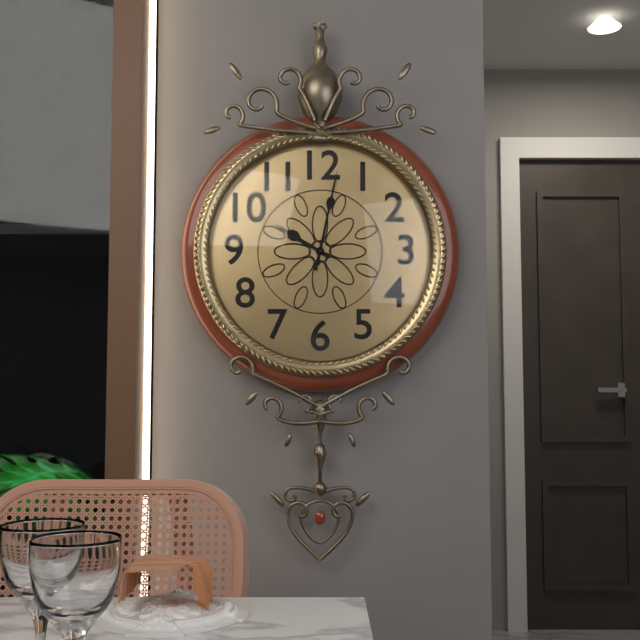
10:02:02
